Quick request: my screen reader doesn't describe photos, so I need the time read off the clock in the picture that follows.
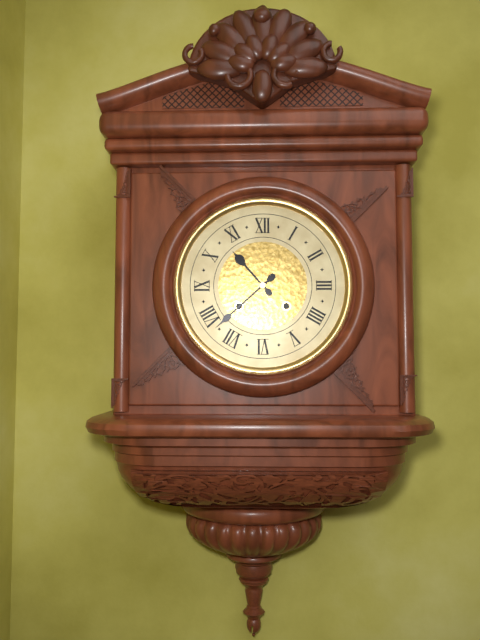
10:38
